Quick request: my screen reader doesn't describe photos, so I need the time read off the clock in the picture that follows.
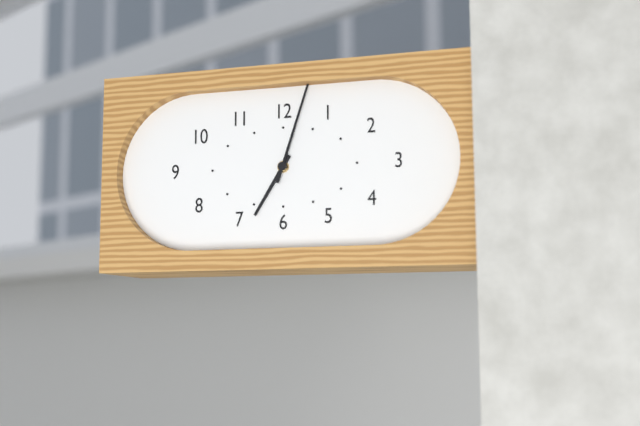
7:03
